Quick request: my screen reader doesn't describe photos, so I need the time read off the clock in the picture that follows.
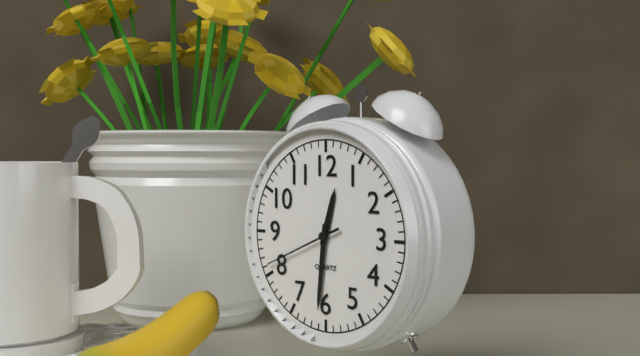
12:31:41
